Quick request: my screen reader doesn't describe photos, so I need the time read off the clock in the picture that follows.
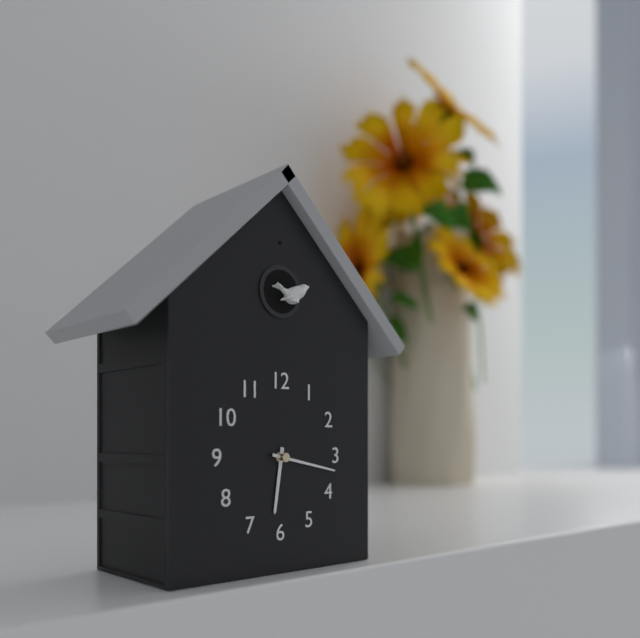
6:17
